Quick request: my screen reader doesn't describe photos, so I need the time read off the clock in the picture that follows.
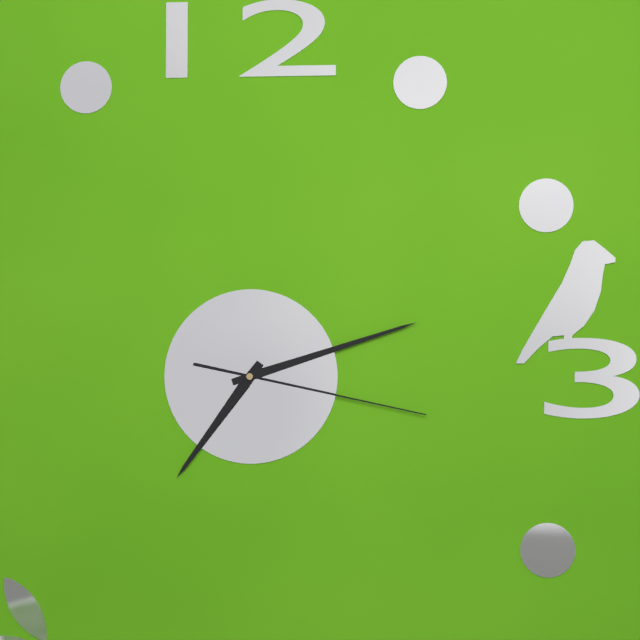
7:12:17
